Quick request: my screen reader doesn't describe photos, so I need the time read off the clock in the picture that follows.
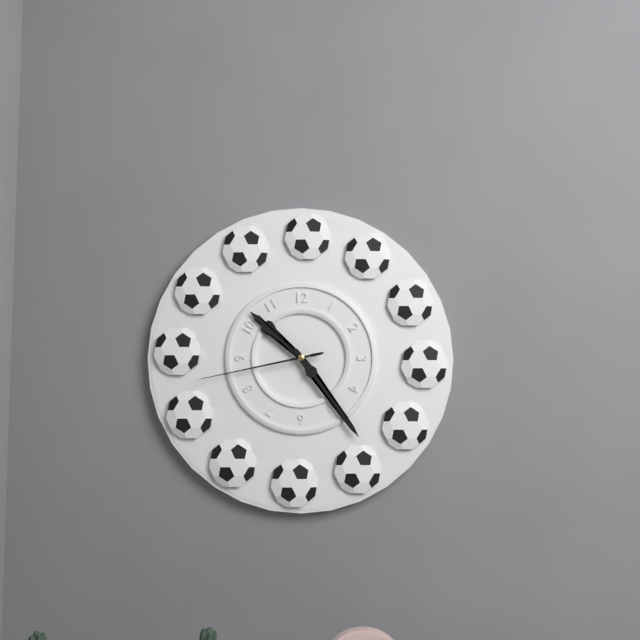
10:24:43
